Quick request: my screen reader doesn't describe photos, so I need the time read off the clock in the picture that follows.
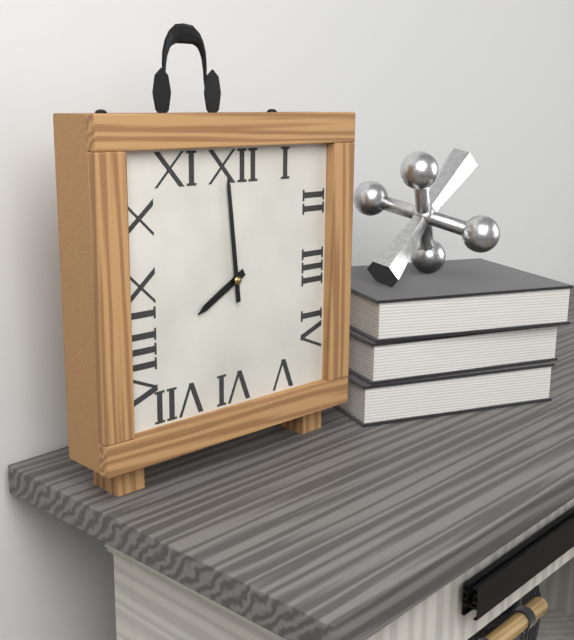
7:59
